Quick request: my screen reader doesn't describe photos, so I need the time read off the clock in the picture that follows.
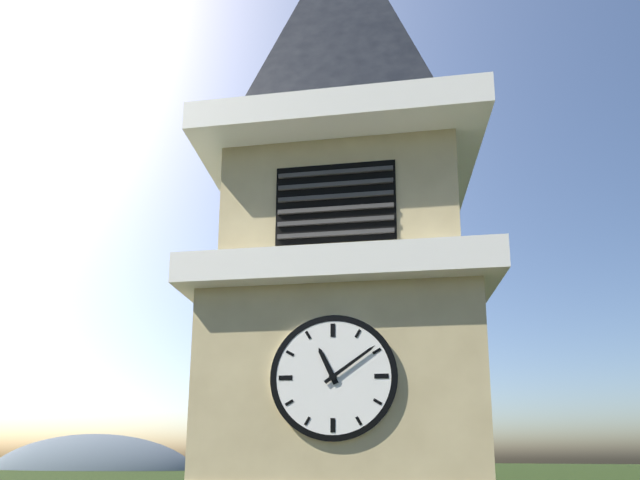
11:09
